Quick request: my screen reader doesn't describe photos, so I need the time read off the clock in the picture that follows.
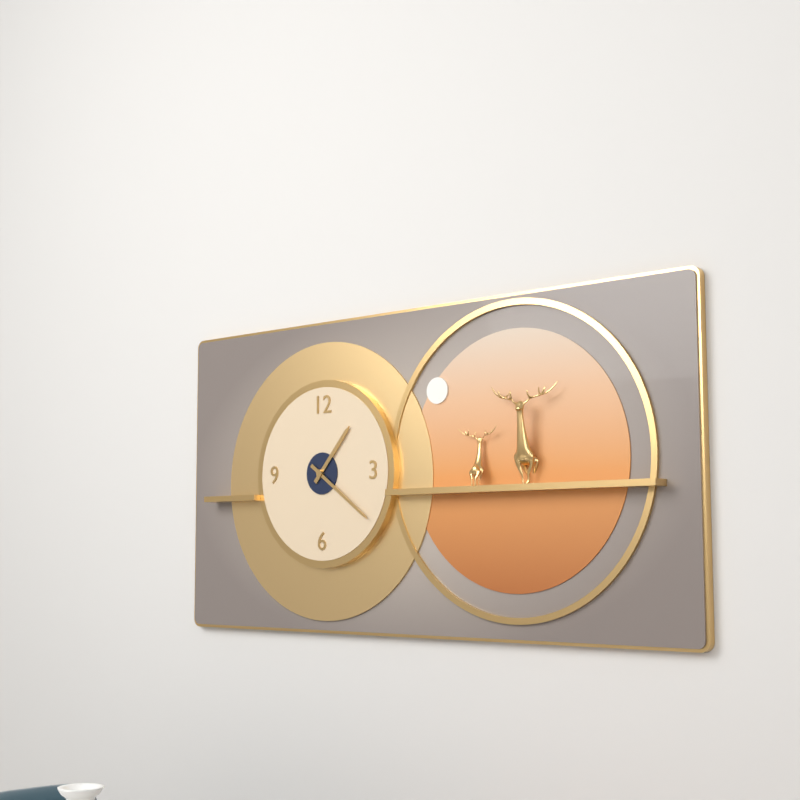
1:21
